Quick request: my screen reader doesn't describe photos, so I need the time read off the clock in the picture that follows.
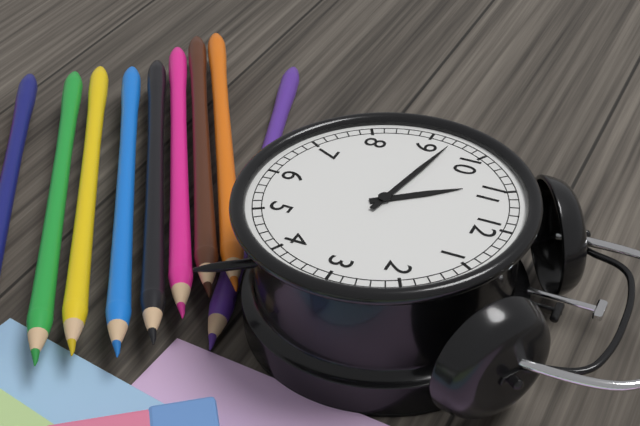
10:47
